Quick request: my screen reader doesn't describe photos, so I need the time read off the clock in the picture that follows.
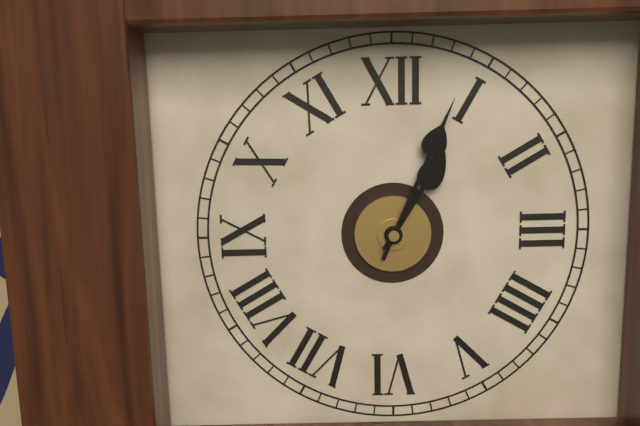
1:04
